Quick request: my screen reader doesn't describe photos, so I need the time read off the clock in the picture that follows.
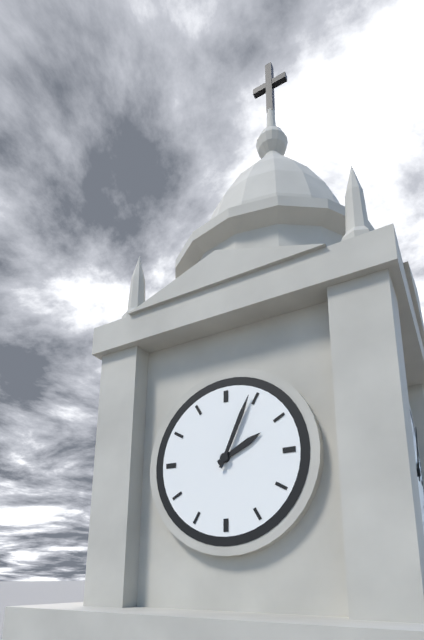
2:04
